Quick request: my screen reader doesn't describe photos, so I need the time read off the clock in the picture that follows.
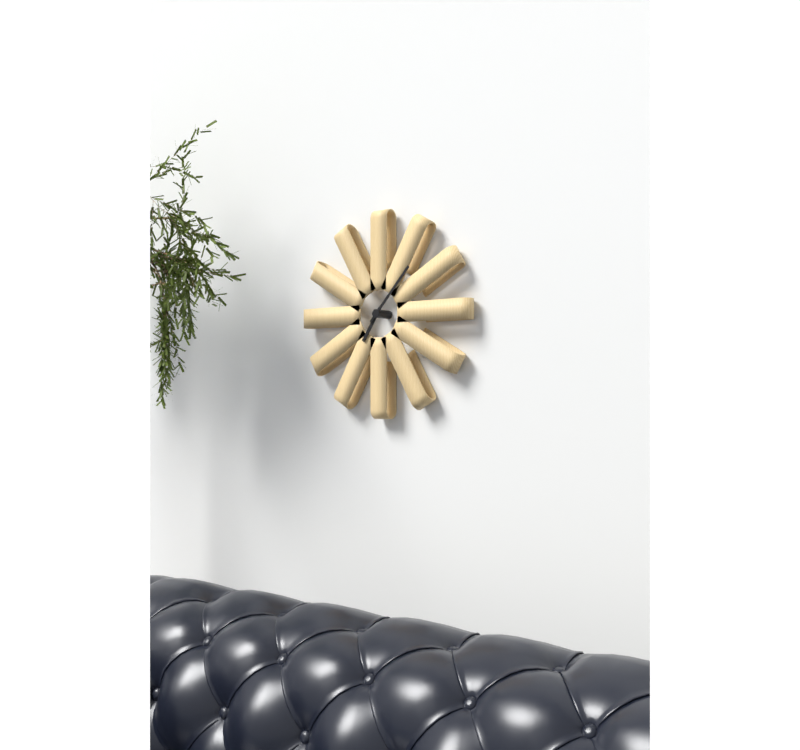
7:07
